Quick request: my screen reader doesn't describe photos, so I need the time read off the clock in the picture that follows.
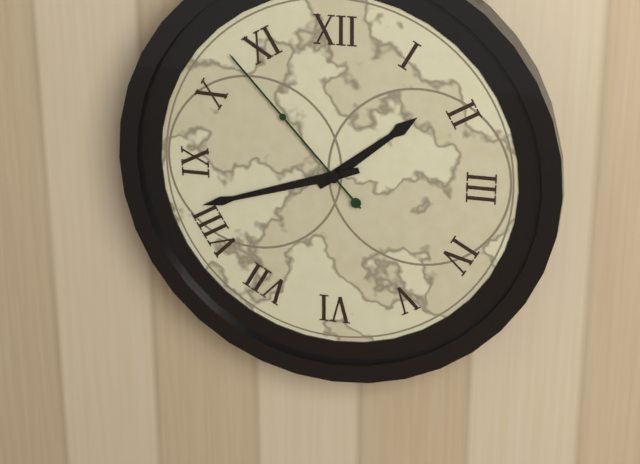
1:42:53
